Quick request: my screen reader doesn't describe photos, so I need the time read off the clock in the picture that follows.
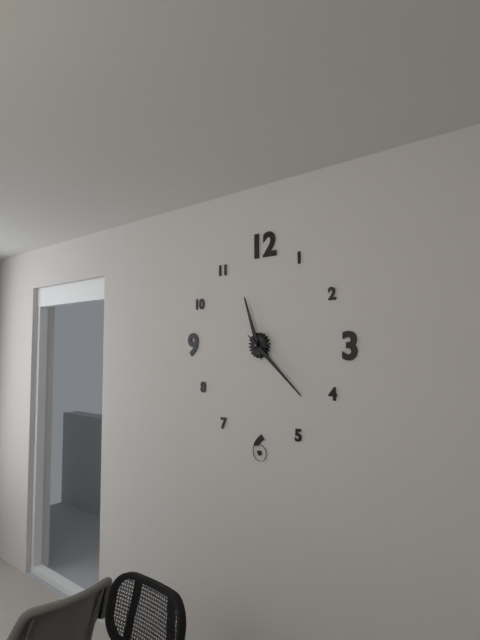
11:22
